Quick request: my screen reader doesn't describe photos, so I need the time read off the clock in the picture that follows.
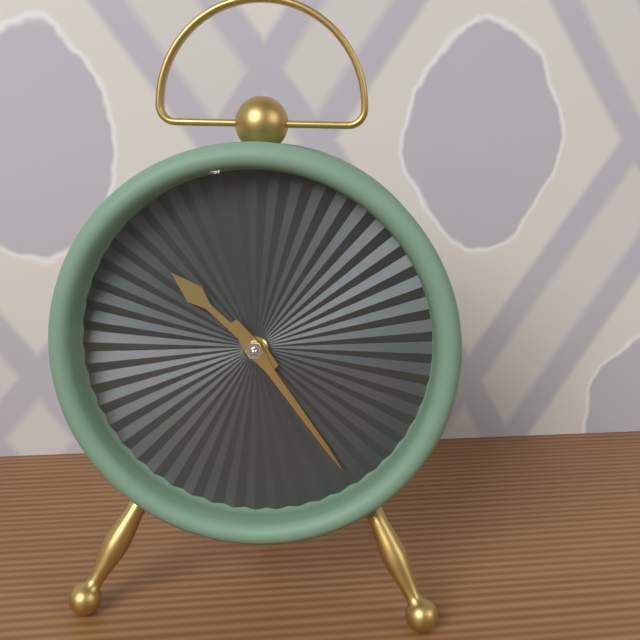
10:24
